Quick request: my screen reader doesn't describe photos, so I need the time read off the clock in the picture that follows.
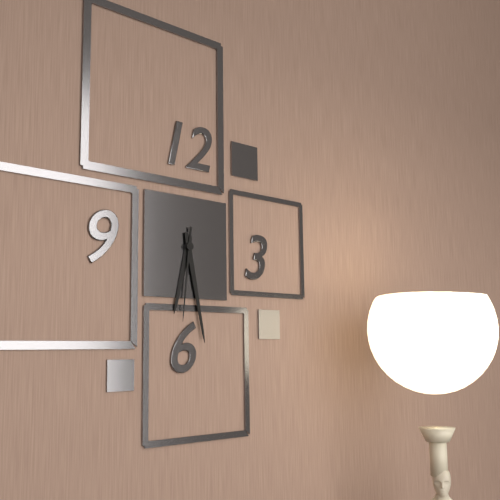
6:28:31
